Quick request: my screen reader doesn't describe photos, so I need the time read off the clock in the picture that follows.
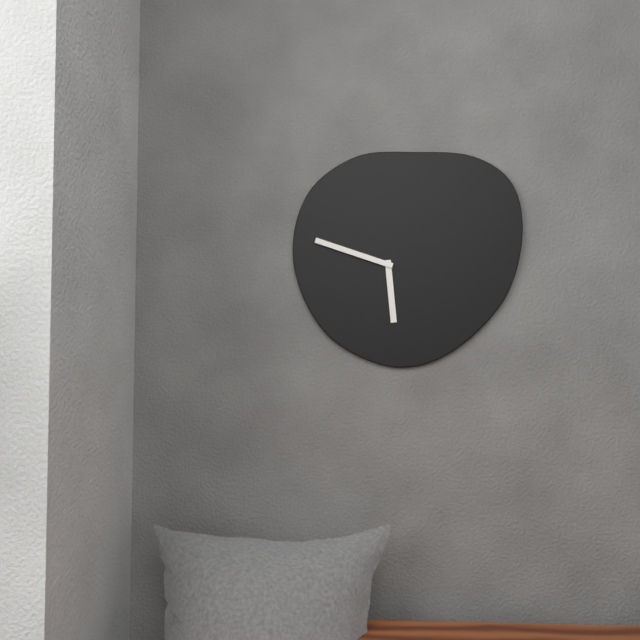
5:48
